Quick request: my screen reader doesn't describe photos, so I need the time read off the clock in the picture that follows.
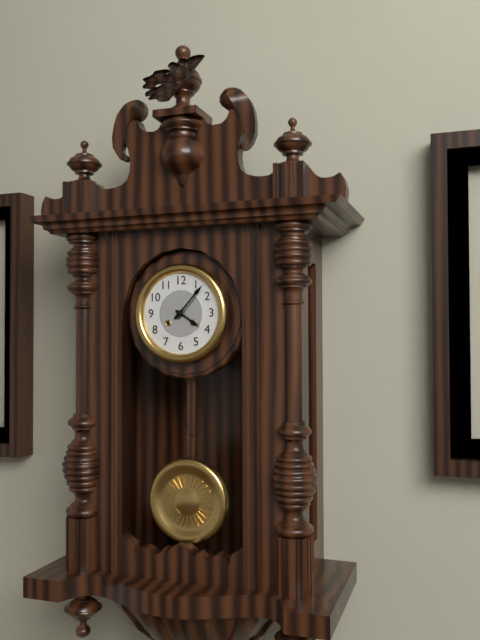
4:07
